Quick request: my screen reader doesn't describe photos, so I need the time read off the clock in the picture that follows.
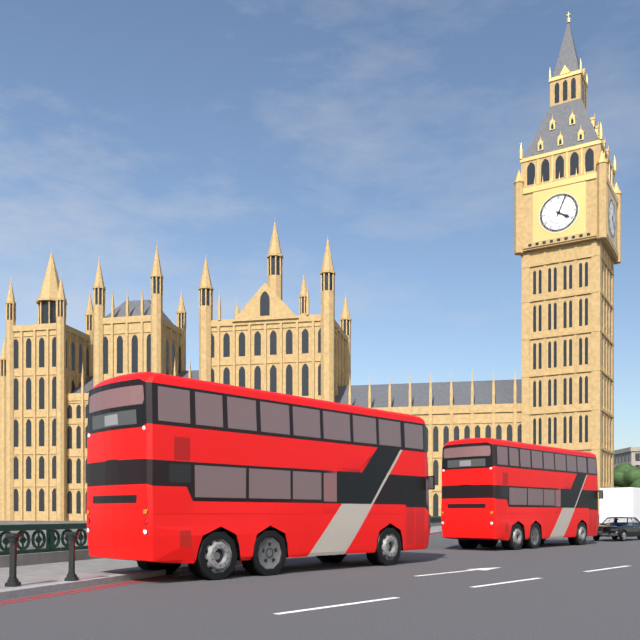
4:04
